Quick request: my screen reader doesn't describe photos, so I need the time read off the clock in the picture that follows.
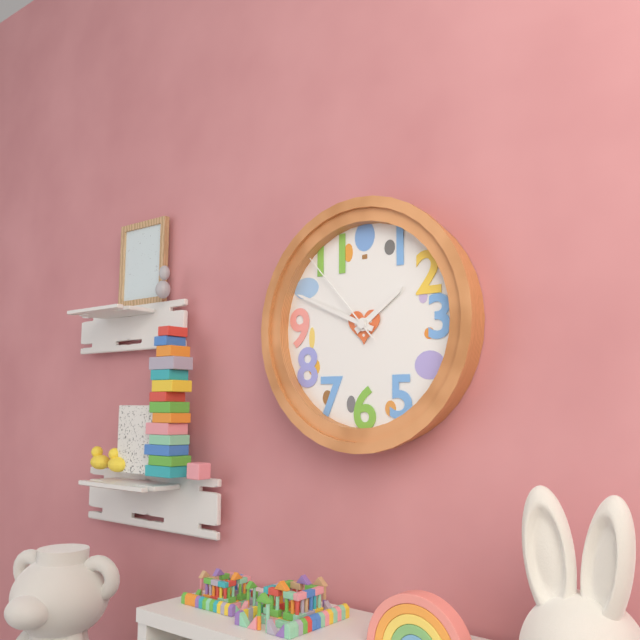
1:49:53
